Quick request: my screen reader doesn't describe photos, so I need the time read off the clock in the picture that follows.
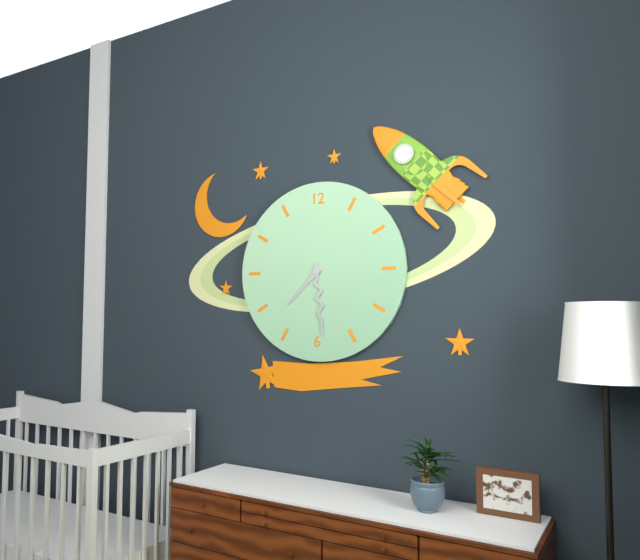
7:29
